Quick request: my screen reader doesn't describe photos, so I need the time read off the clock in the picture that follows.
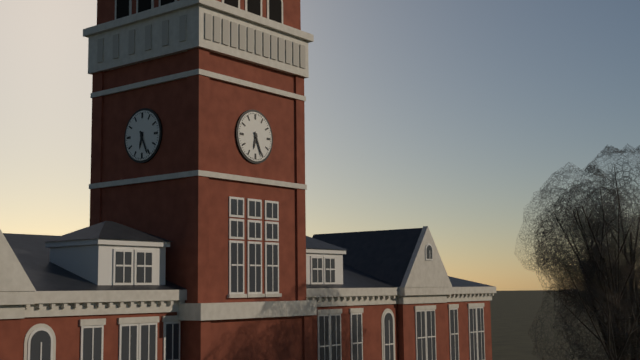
6:26
